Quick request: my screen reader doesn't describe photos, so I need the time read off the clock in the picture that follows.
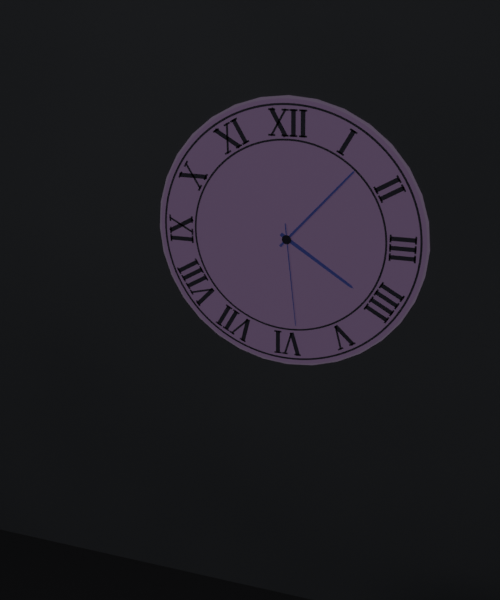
4:07:29
